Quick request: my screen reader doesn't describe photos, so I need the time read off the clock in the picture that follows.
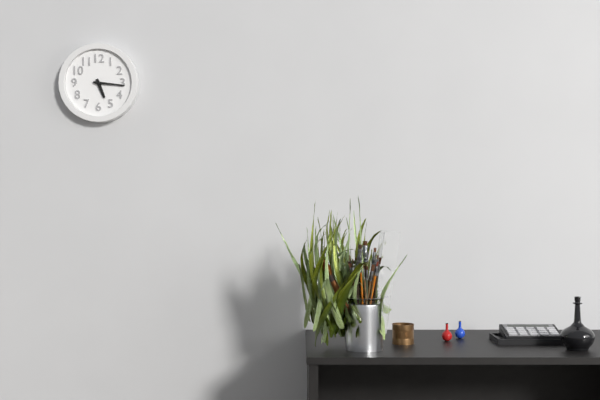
5:16
